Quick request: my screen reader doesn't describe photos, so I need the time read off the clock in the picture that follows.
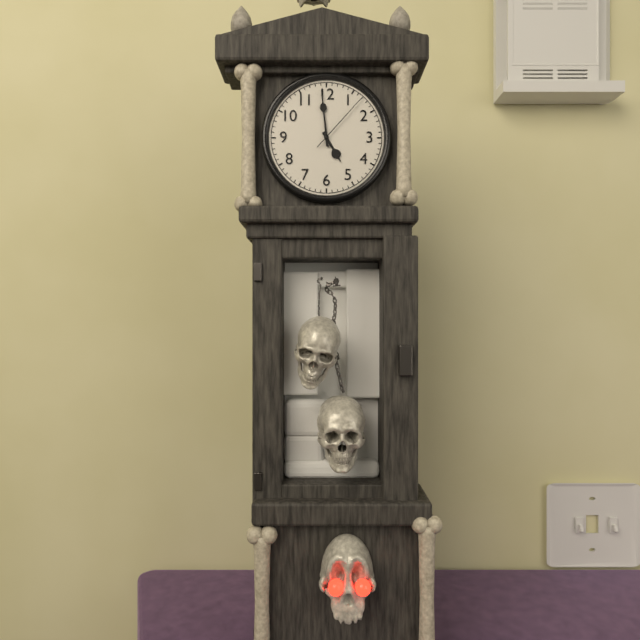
4:59:07
